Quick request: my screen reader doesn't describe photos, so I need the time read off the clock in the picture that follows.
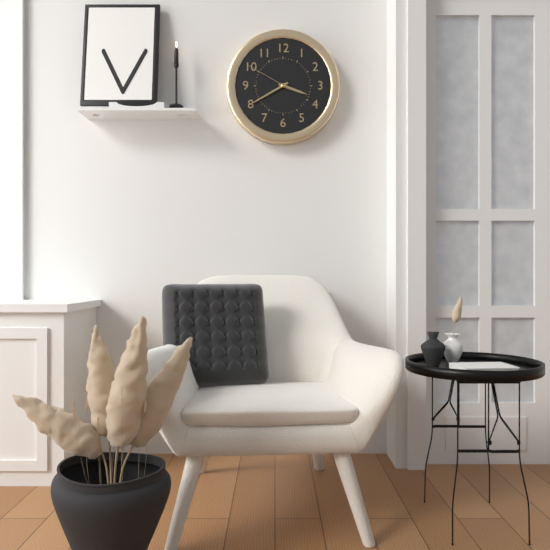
3:40:50
